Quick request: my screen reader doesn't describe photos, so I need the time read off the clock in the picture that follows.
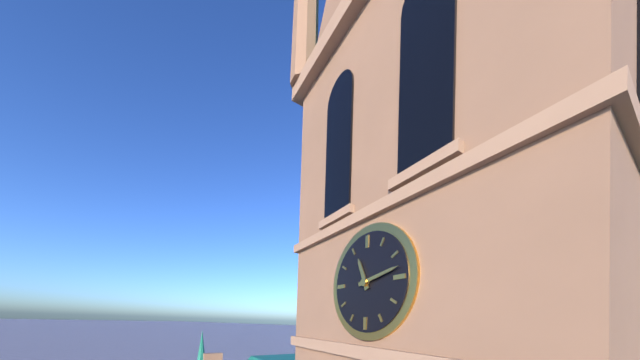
11:13
